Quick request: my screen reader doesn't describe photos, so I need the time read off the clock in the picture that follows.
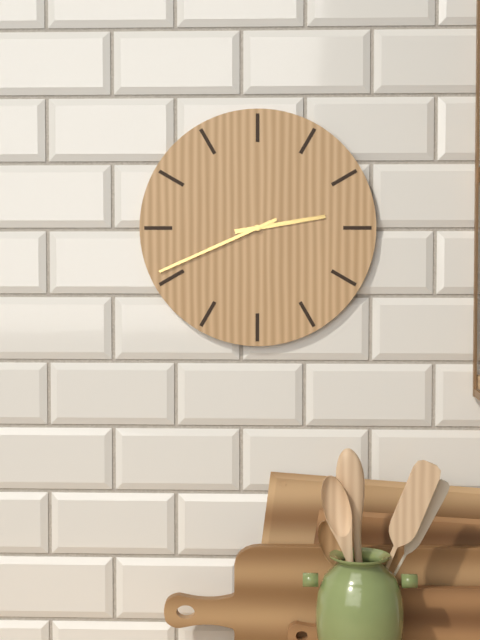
2:41
